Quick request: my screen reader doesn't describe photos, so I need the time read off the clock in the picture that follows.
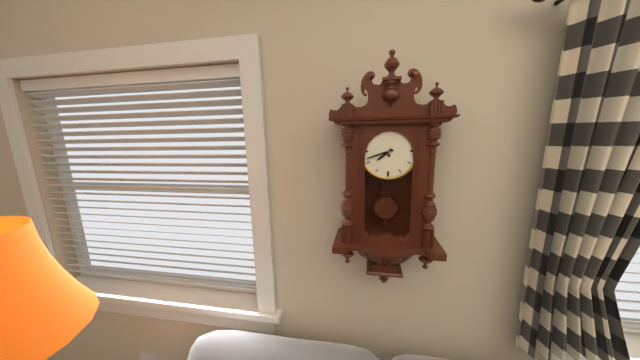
7:42
